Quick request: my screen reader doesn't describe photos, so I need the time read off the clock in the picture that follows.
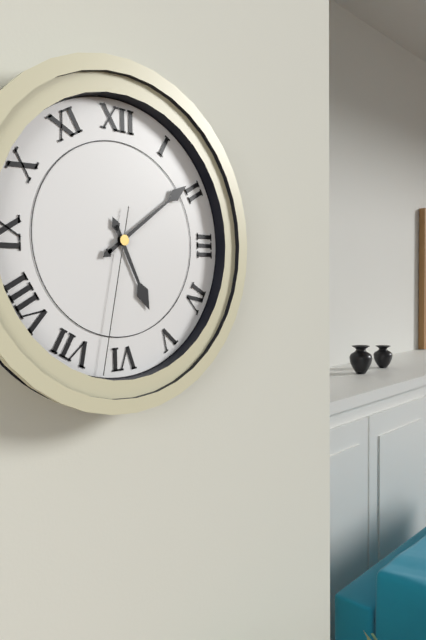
5:09:32
